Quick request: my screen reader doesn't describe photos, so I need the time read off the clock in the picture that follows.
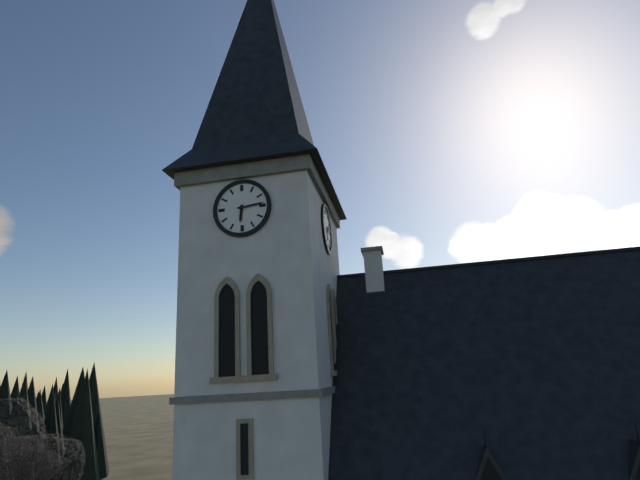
6:14
